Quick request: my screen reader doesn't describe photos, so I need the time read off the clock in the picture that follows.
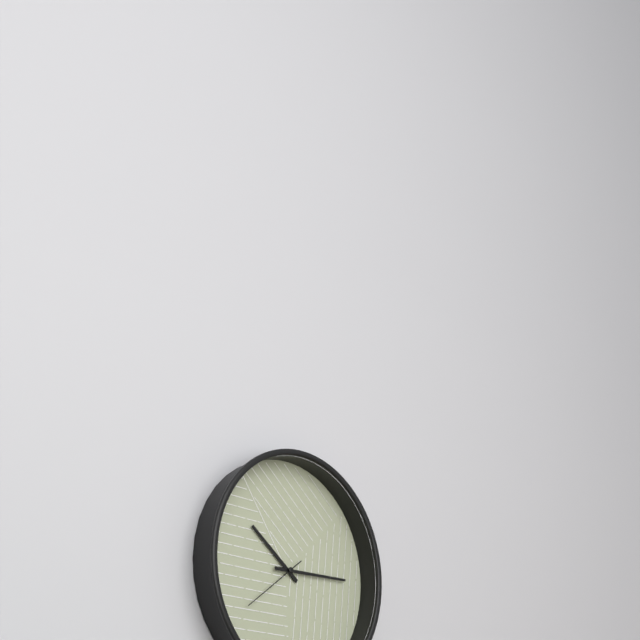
10:15:39
